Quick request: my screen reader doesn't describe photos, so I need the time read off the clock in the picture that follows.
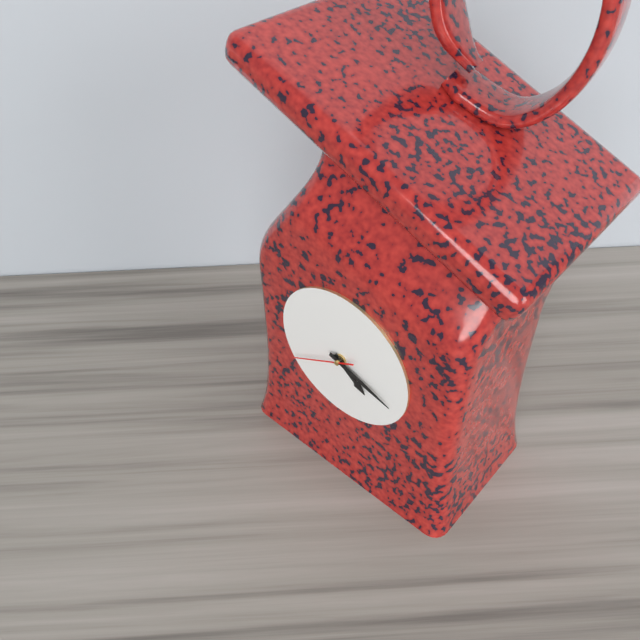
4:18:40
